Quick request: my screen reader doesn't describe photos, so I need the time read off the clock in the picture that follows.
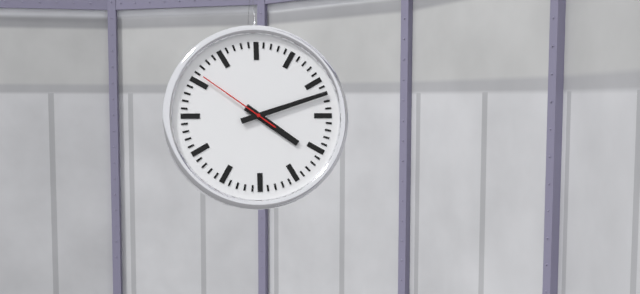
4:12:51
